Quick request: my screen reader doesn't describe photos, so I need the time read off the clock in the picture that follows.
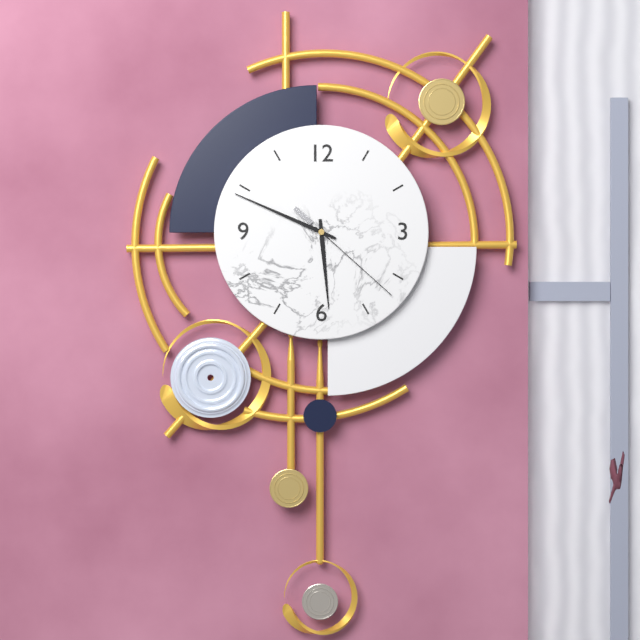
5:49:22
